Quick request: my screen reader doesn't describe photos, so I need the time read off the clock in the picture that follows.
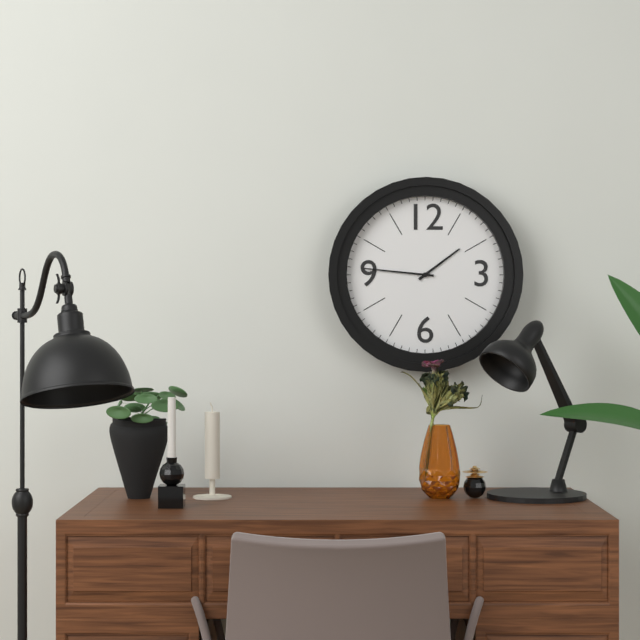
1:46
